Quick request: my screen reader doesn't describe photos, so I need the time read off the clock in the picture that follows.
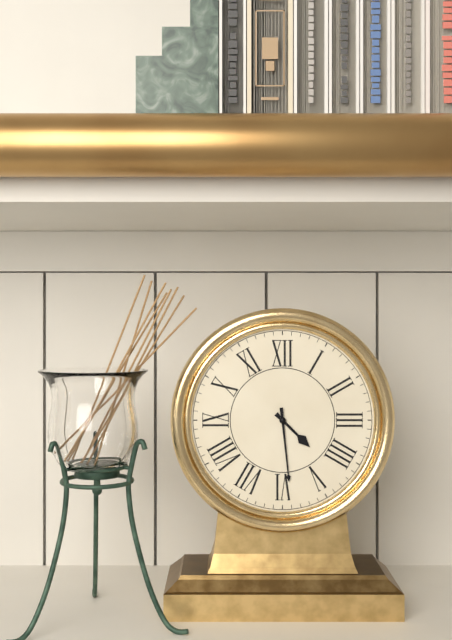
4:29
